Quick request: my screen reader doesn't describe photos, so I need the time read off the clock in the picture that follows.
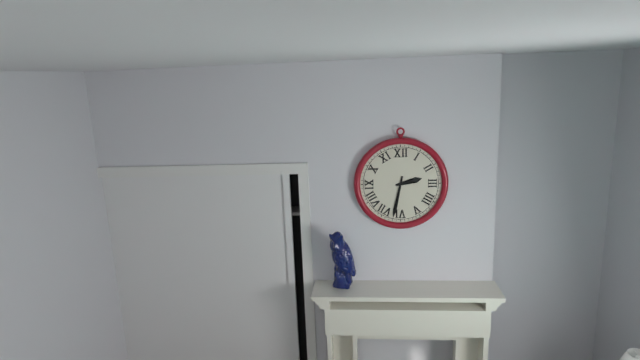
2:32
